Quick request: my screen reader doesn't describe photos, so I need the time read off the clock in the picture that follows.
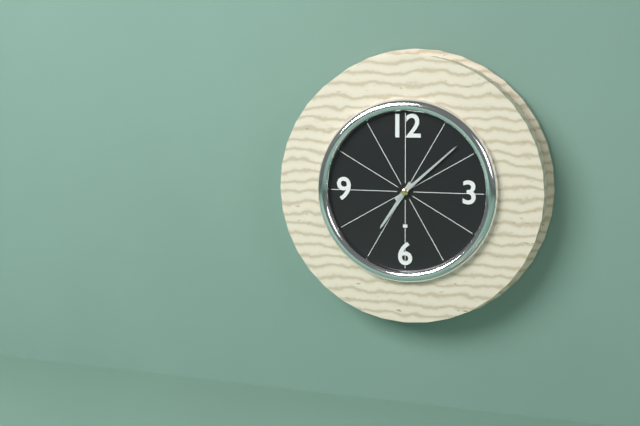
7:08
